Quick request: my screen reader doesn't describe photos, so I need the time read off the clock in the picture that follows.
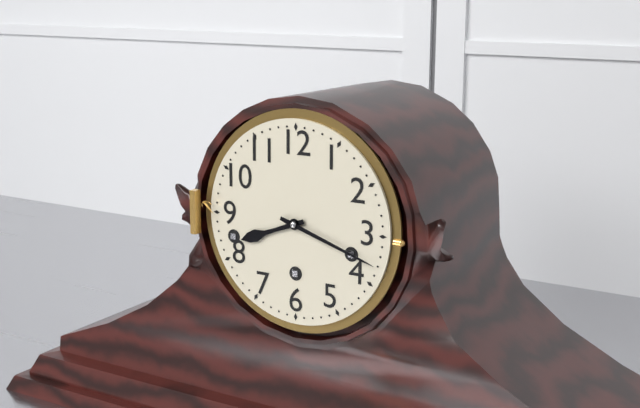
8:18
